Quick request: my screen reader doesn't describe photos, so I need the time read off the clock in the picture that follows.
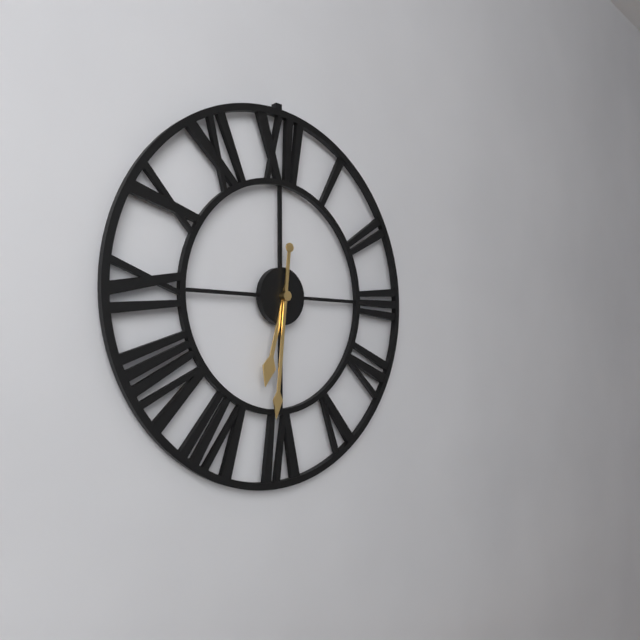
6:31
